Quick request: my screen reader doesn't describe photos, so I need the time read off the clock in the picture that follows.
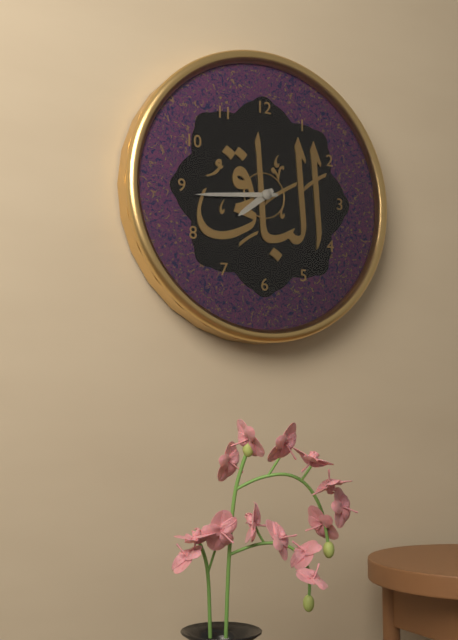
7:44
